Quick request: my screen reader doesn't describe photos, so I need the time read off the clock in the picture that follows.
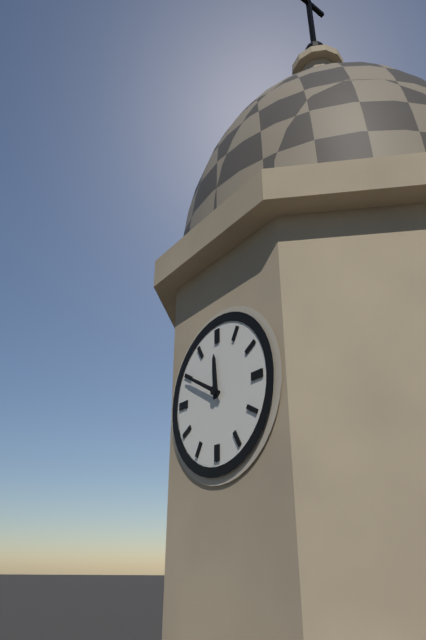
11:50
